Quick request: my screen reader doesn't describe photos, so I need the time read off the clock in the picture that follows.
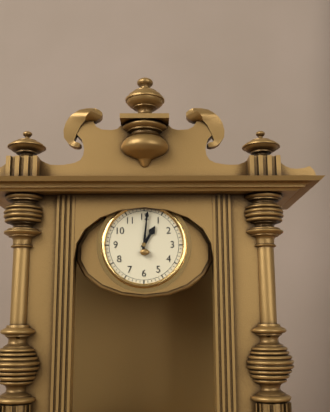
1:01
